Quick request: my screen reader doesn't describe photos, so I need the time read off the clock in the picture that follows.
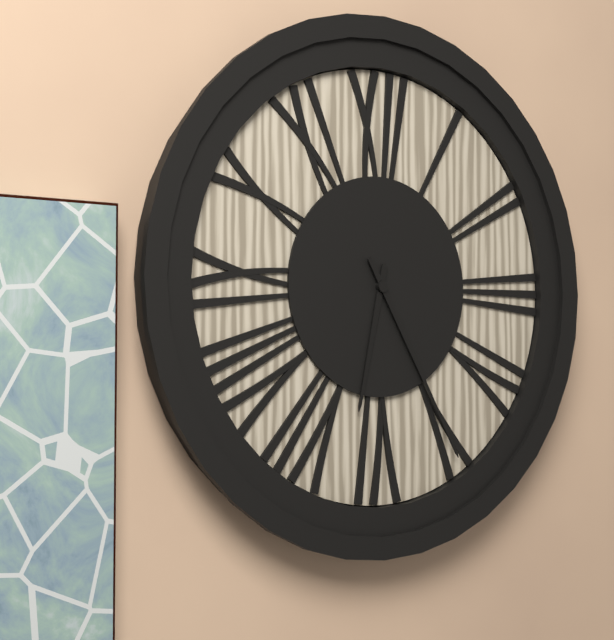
6:25
